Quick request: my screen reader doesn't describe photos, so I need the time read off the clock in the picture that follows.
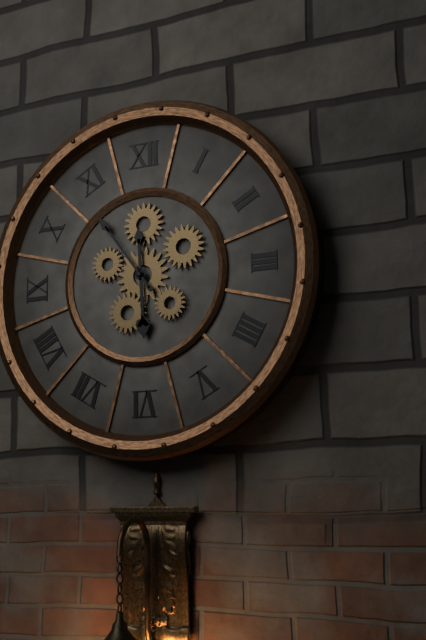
5:54
